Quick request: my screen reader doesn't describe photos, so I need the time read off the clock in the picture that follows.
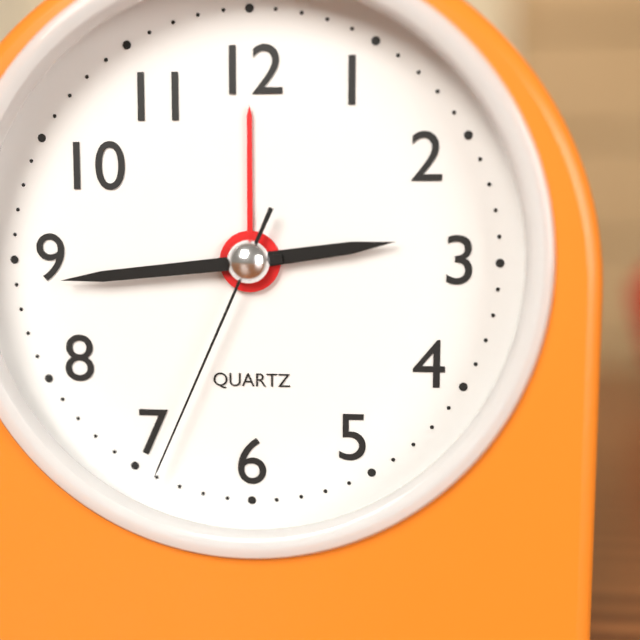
2:44:34
